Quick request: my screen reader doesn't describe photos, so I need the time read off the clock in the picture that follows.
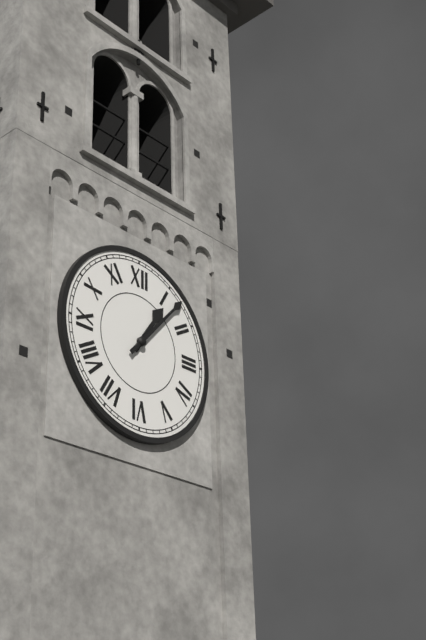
1:07
